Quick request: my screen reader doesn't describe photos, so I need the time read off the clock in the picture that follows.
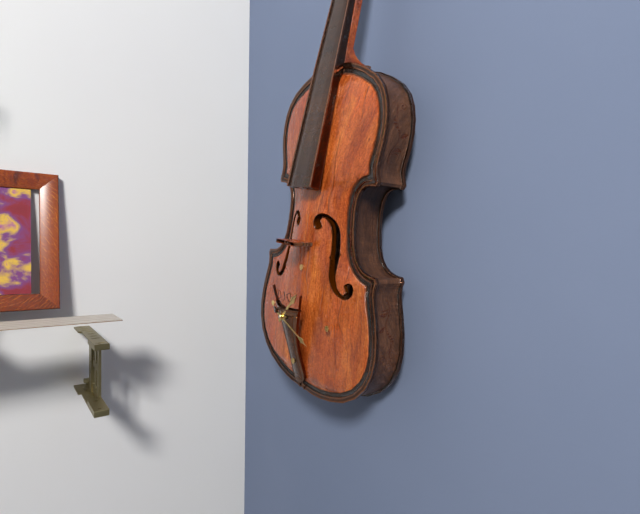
1:18
